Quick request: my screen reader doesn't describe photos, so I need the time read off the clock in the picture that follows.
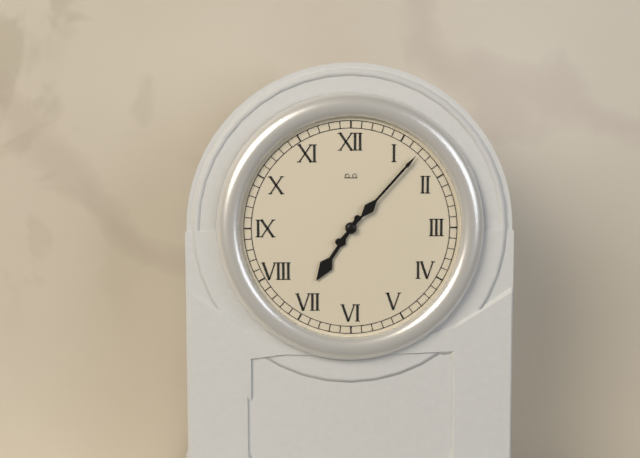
7:07
